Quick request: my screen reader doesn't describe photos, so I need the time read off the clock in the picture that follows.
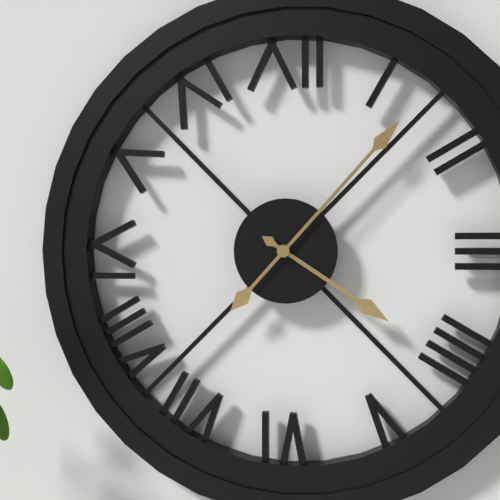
4:07
